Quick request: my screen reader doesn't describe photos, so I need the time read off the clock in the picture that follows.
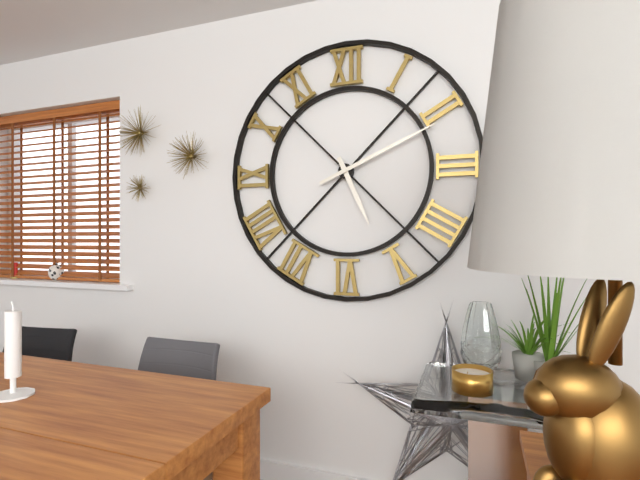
5:11
